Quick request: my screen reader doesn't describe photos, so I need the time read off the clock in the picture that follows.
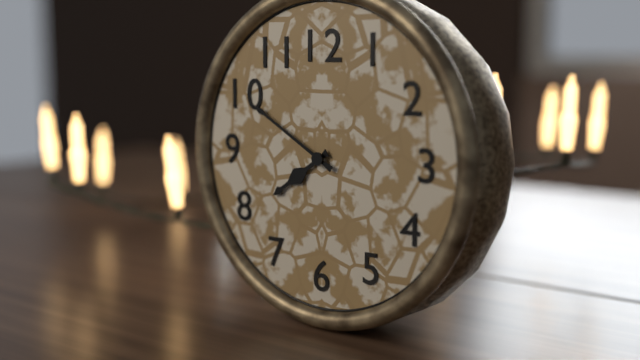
7:50
